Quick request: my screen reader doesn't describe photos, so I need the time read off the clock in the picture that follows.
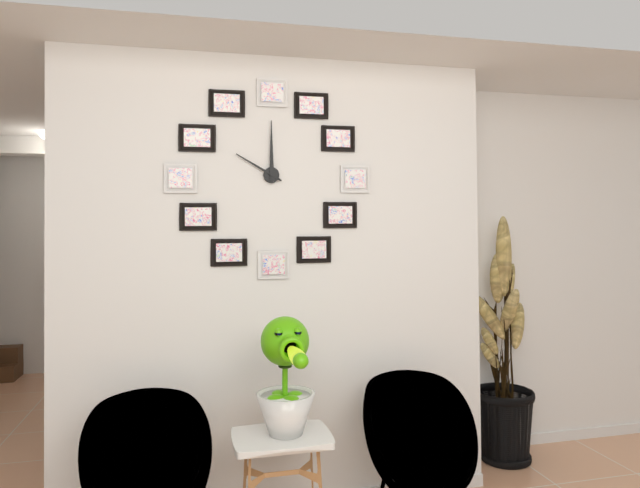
10:00
